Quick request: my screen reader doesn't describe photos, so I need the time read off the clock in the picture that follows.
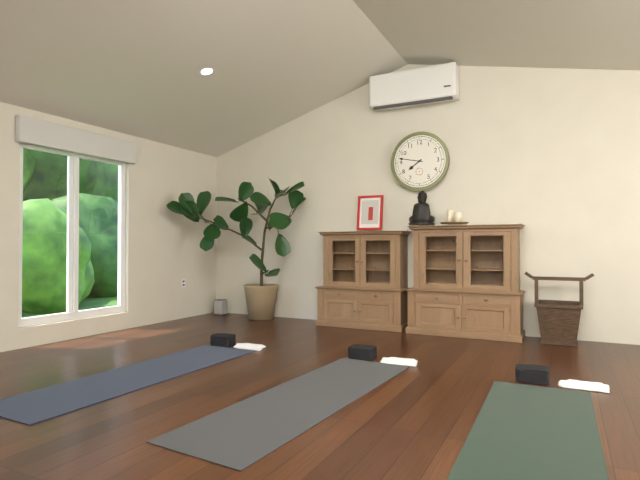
7:47
